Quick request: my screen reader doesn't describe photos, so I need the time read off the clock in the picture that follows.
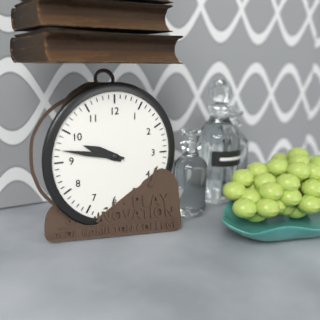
9:47
